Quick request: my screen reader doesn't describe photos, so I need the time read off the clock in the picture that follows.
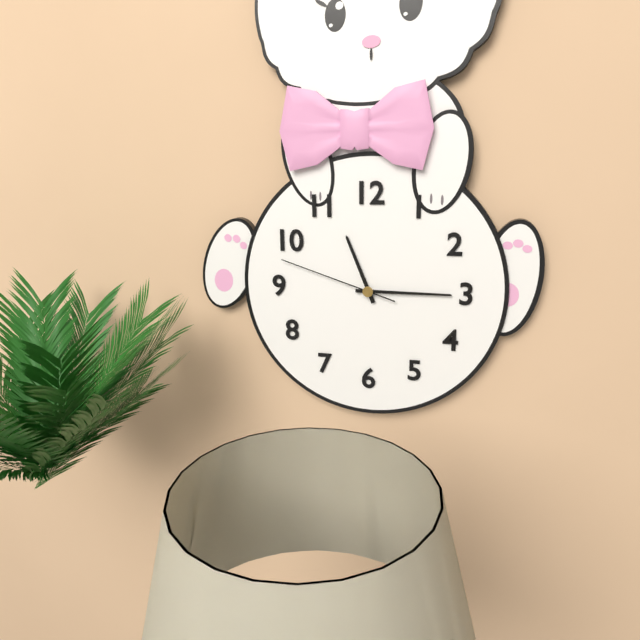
11:15:48
